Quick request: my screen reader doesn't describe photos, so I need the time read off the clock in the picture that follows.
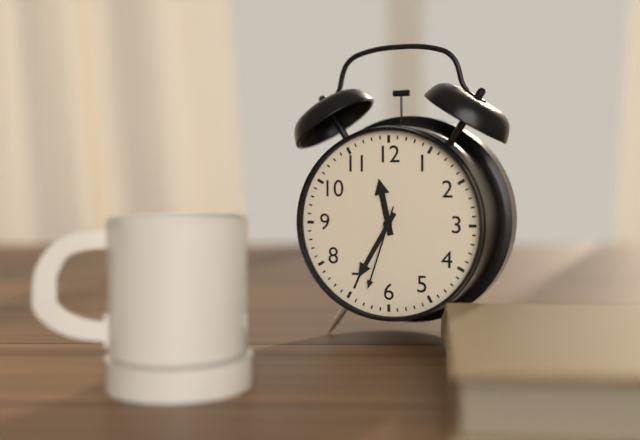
11:35:33
